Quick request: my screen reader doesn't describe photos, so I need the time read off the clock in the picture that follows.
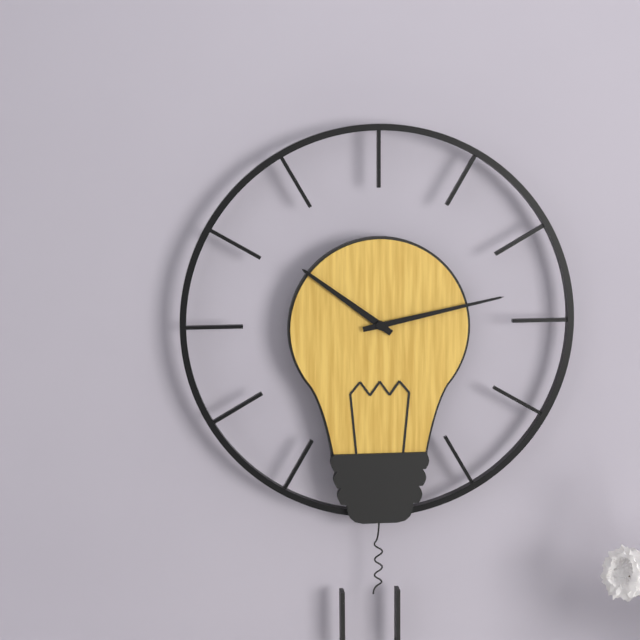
10:13
